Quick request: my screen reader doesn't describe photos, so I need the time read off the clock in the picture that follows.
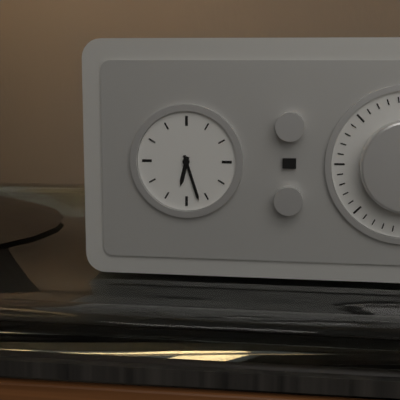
6:27
